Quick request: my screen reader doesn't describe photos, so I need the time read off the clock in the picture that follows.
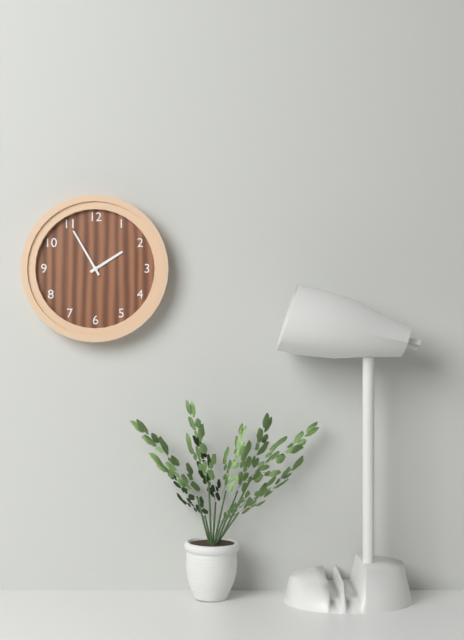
1:55
